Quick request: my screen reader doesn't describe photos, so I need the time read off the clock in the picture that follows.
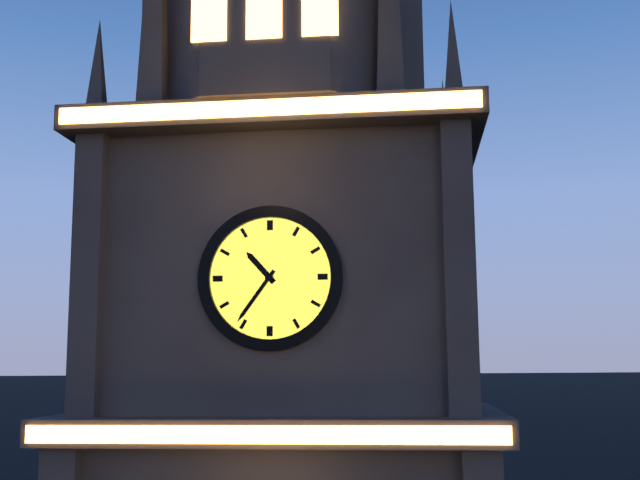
10:36
